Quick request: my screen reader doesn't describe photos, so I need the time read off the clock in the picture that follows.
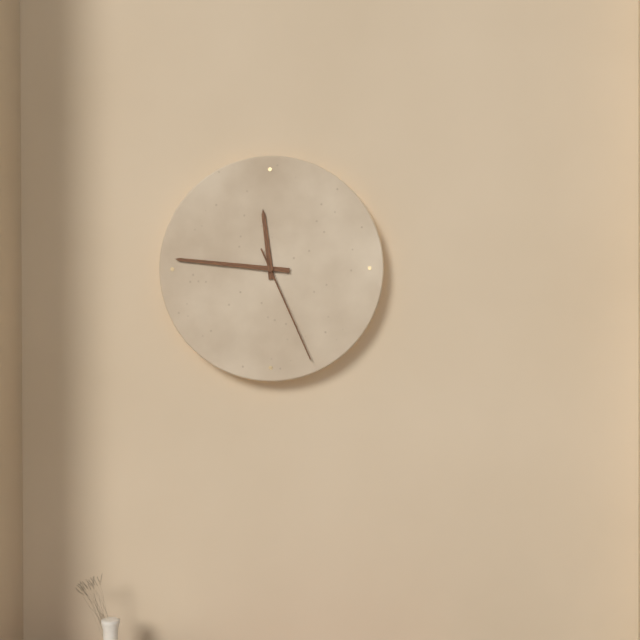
11:46:26
